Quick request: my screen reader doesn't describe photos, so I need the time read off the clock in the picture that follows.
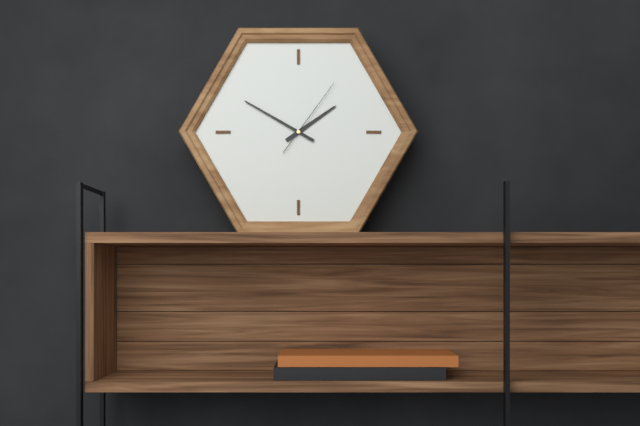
1:50:06
